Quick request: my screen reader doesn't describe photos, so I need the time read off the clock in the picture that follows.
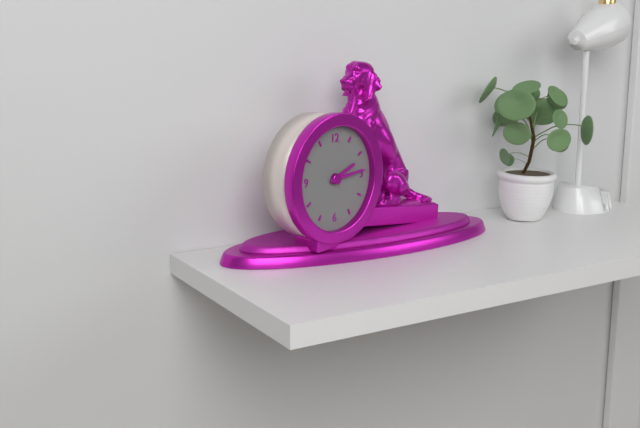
2:14
